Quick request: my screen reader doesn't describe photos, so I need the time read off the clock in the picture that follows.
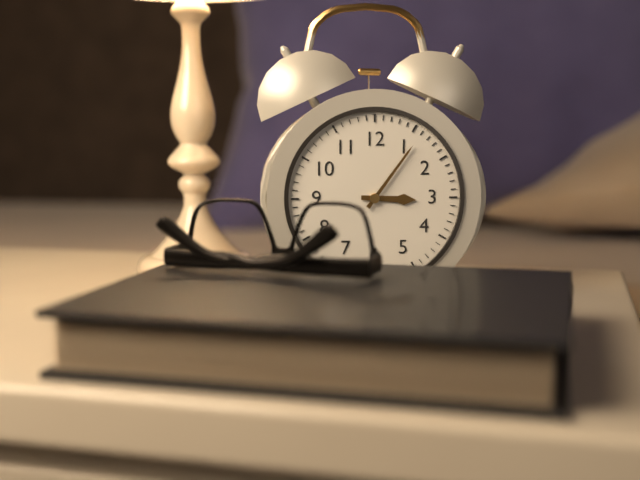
3:06
